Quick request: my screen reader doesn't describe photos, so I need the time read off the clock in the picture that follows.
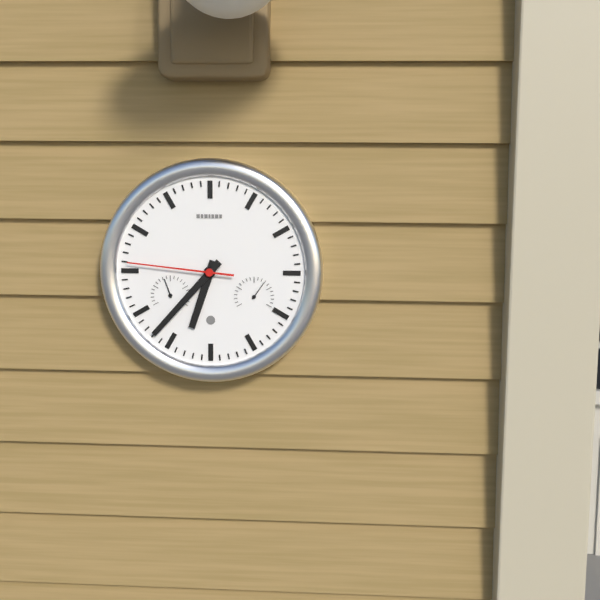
6:37:46
